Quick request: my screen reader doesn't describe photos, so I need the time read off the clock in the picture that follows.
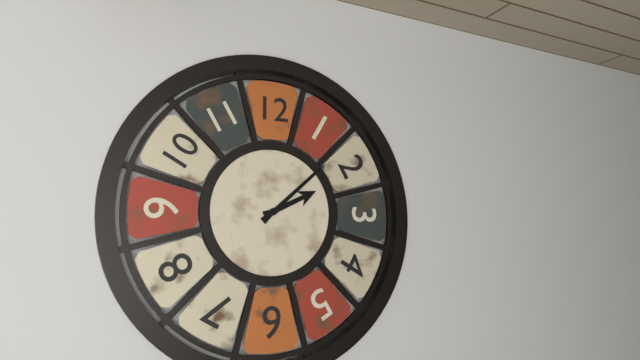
2:08
